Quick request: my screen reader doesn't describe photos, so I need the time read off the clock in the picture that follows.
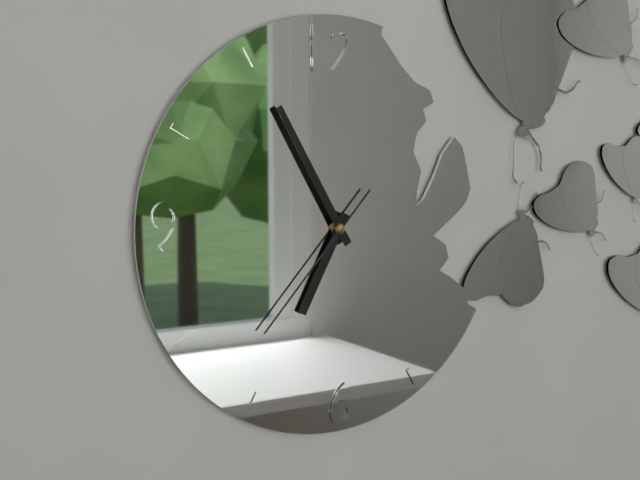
6:55:37
